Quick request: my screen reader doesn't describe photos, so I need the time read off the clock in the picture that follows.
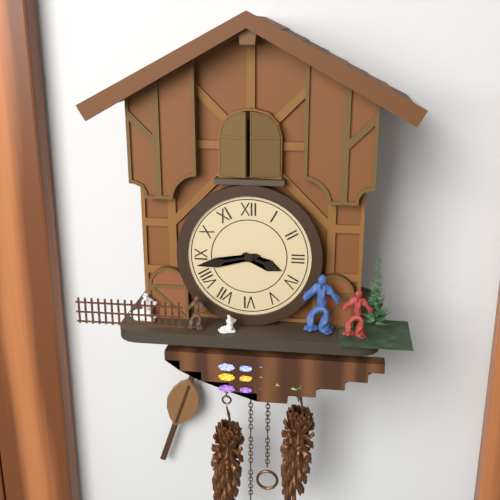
3:43
